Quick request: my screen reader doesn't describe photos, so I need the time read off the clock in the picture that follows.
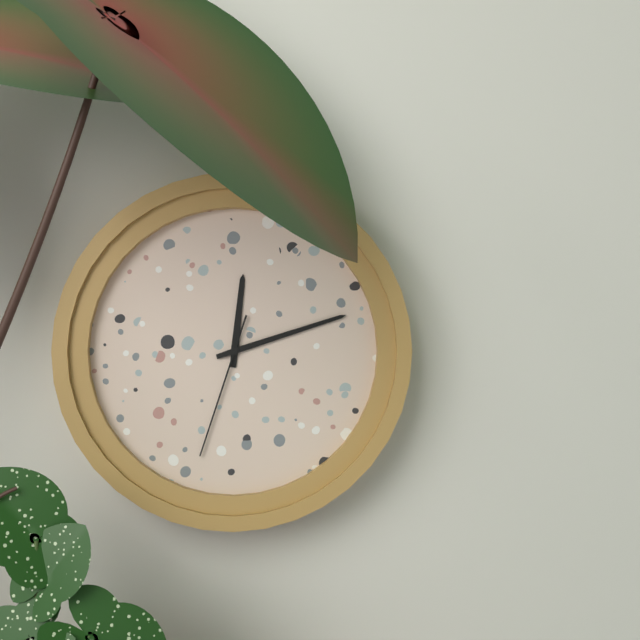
12:12:33
